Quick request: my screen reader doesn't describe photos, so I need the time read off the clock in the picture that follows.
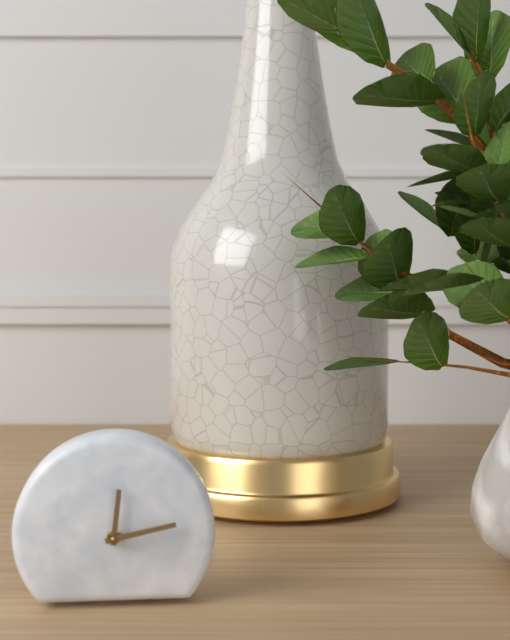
12:13
